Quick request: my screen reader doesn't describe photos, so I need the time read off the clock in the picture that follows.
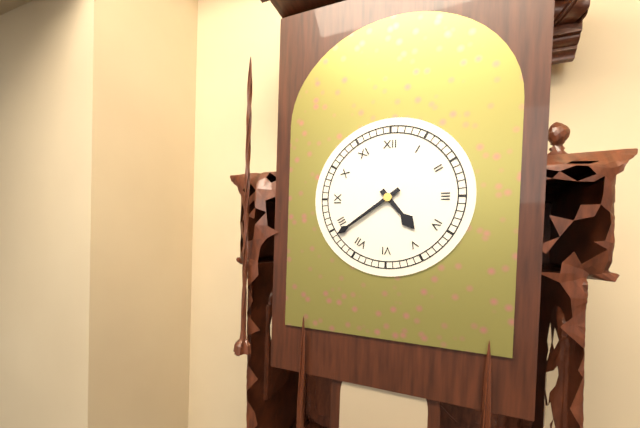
4:39
